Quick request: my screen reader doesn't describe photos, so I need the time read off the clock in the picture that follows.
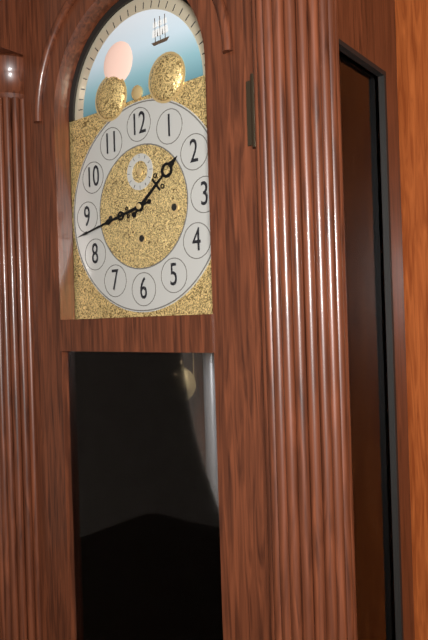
1:43
